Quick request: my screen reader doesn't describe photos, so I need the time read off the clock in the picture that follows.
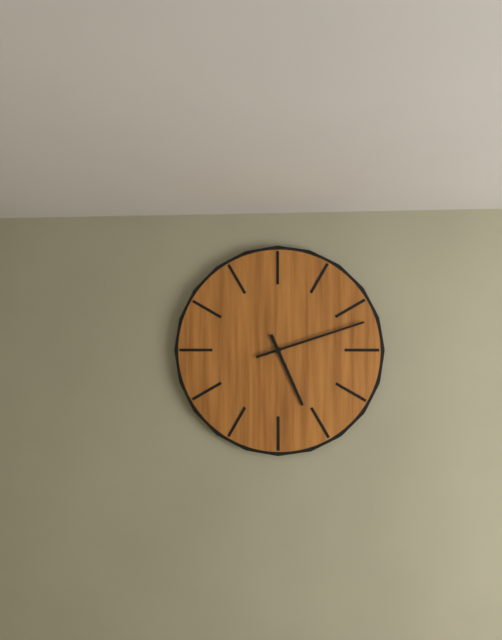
5:12
